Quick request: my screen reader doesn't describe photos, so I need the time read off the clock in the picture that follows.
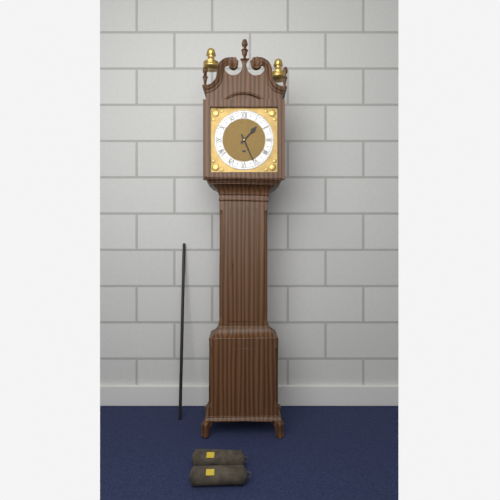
1:26
